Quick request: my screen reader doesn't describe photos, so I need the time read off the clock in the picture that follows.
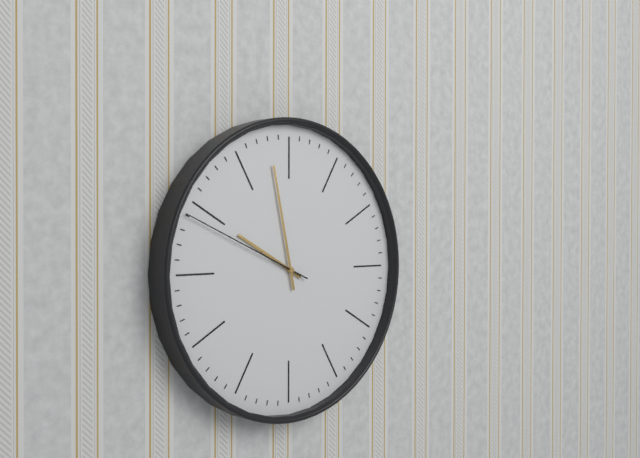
9:58:49
